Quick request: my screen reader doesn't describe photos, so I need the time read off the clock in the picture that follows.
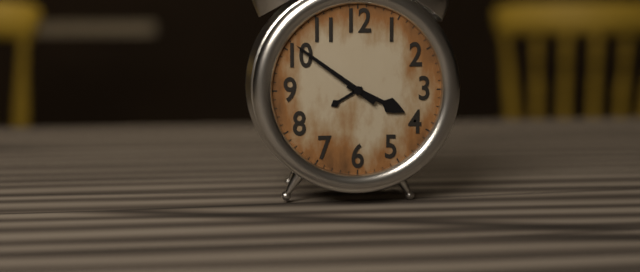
3:51
